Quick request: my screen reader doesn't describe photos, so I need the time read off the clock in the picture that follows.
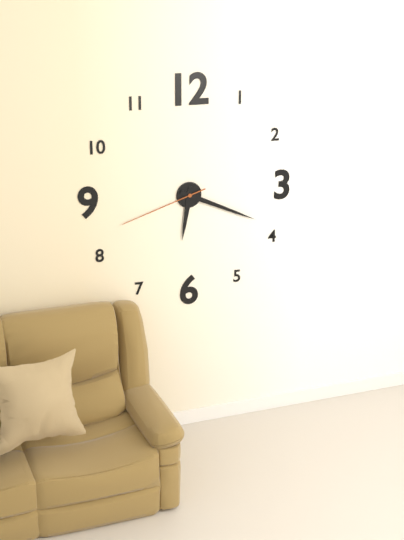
6:19:42
